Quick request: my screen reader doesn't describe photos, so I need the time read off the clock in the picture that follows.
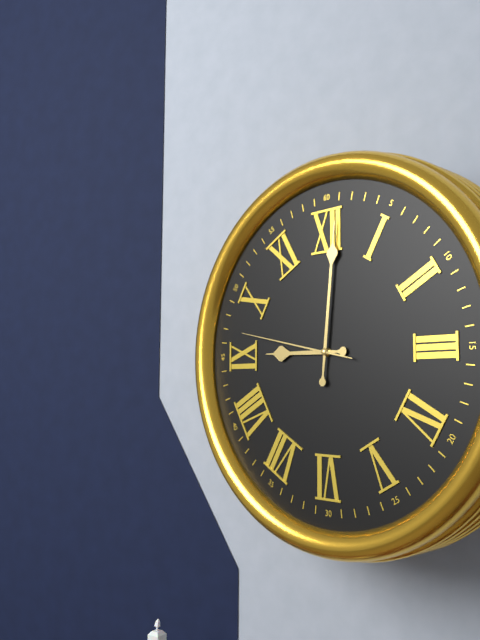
9:01:47
